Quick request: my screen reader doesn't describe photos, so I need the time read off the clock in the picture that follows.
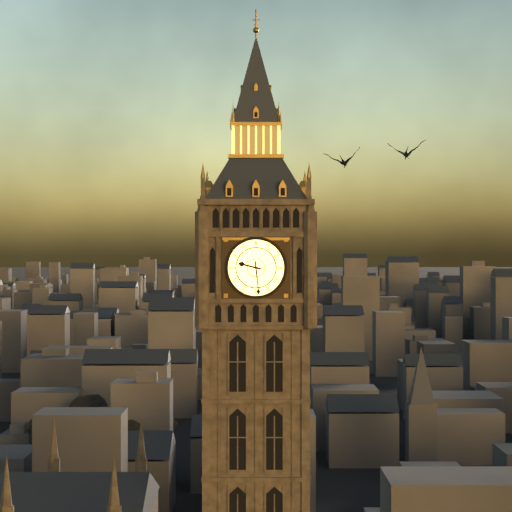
9:29
